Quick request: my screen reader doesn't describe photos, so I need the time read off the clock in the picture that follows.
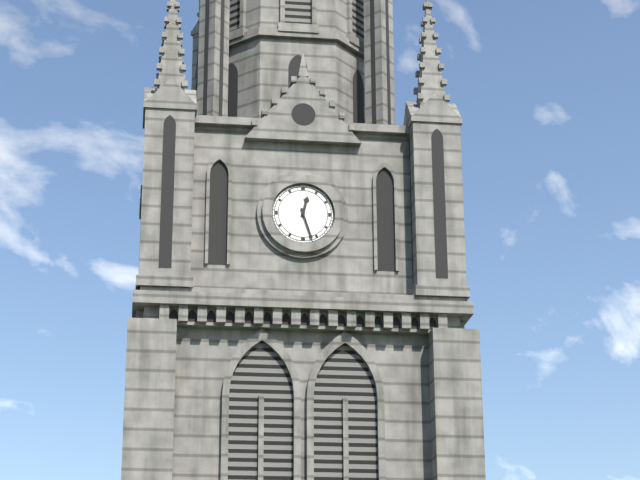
12:27
